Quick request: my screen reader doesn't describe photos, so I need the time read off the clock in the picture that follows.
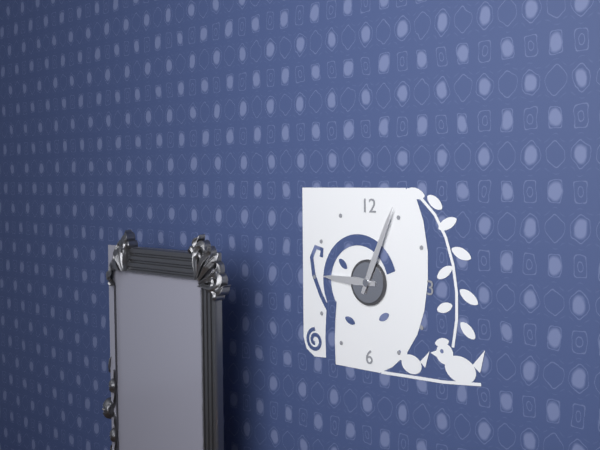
9:04
